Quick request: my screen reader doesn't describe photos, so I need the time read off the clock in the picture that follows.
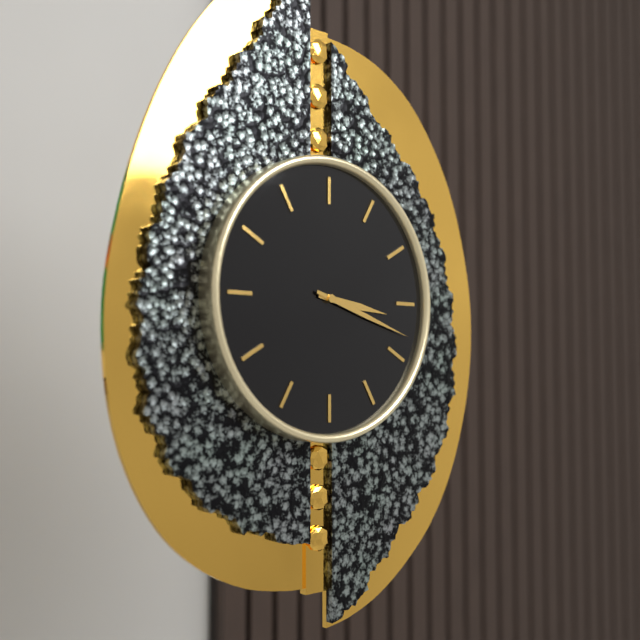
3:18
